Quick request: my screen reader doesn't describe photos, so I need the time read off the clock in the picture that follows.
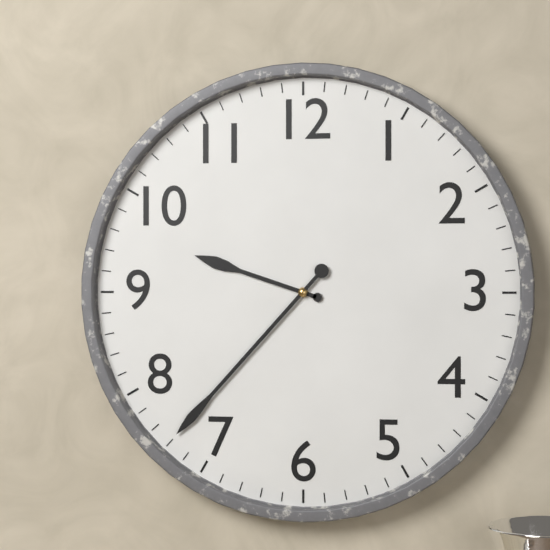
9:37
